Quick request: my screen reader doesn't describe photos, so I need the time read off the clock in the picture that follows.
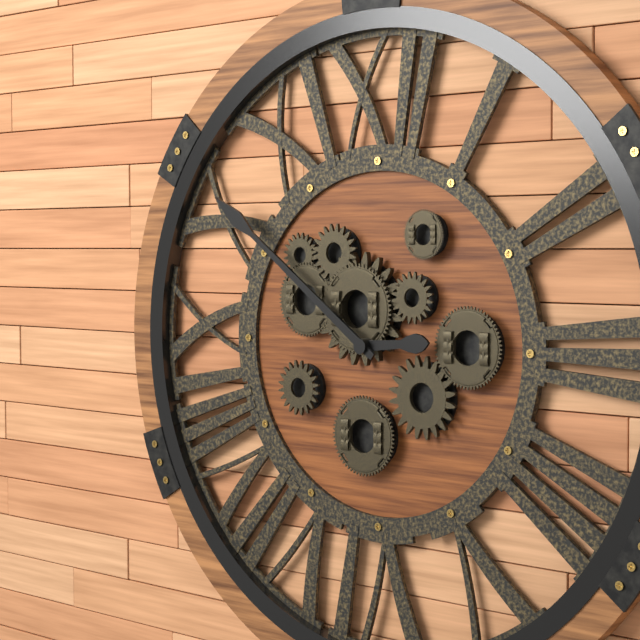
2:51
